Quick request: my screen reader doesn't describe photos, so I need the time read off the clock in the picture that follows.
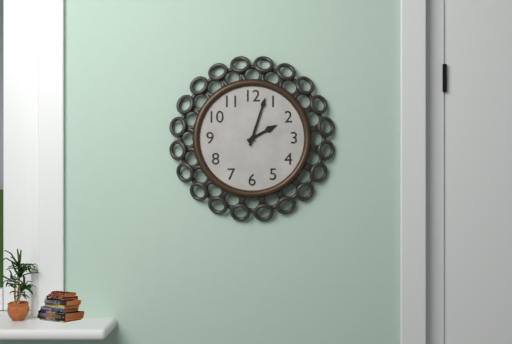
2:03
